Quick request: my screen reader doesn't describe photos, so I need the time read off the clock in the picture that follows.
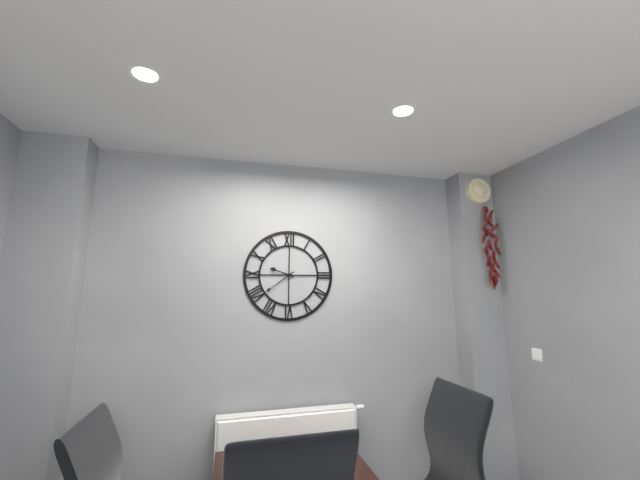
9:39
